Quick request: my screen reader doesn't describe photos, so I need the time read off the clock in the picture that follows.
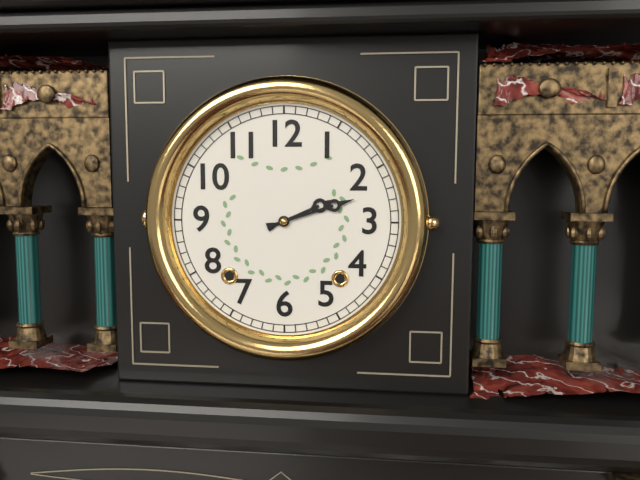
2:12
